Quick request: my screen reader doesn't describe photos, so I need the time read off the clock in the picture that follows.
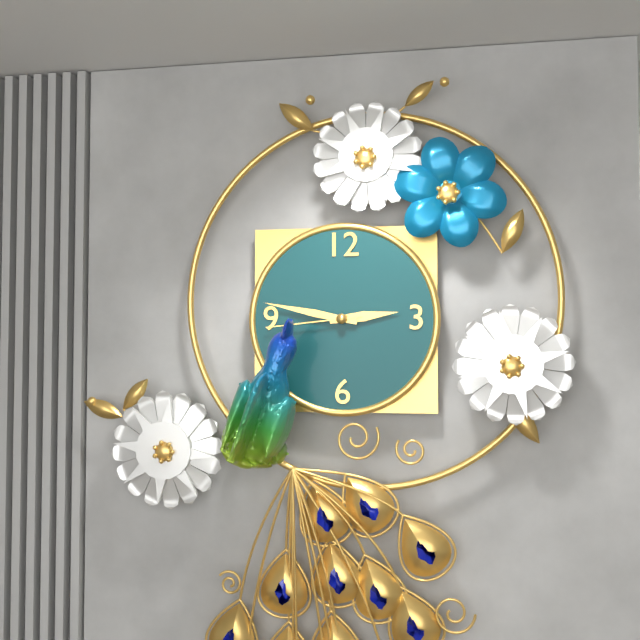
2:47:44
